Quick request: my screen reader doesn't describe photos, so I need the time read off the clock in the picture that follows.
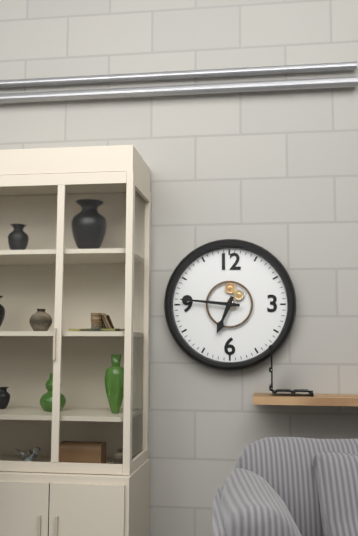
6:46
